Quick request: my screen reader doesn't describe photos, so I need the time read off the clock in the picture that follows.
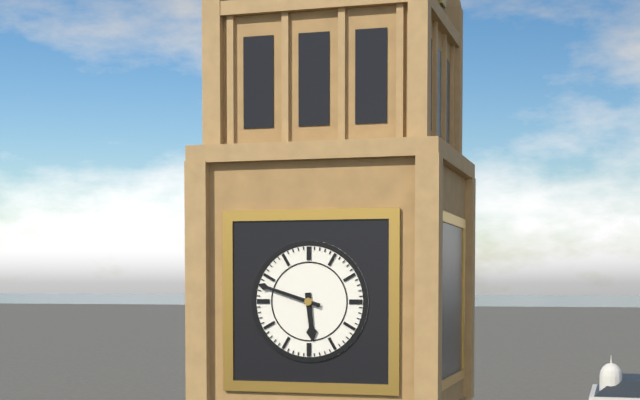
5:48
